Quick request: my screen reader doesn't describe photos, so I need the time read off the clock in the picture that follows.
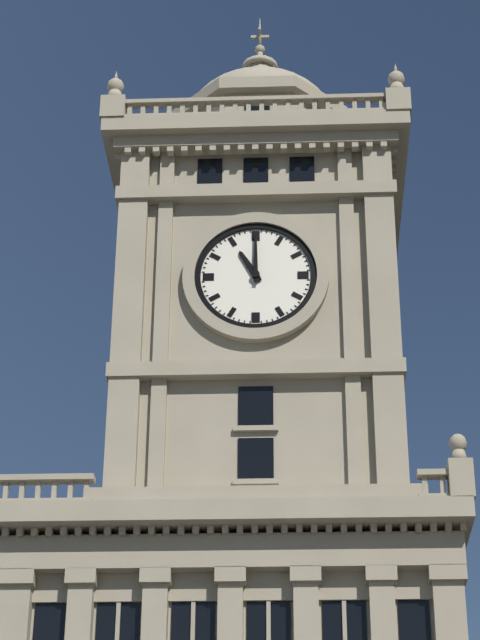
11:00
